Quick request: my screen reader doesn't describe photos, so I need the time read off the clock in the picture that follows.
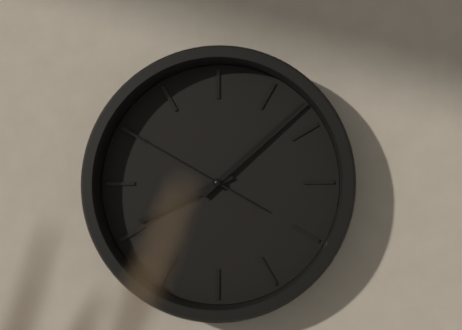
8:08:50
